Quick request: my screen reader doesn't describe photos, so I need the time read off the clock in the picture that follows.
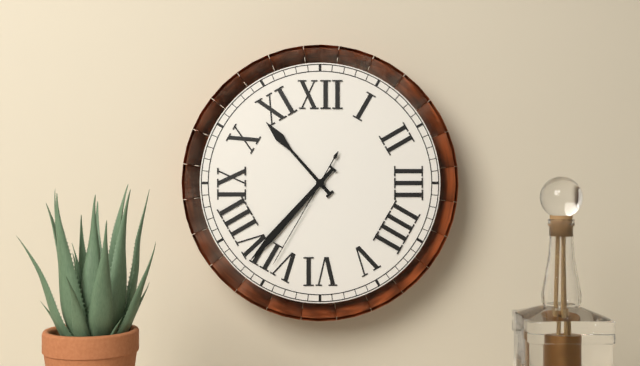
10:37:35
